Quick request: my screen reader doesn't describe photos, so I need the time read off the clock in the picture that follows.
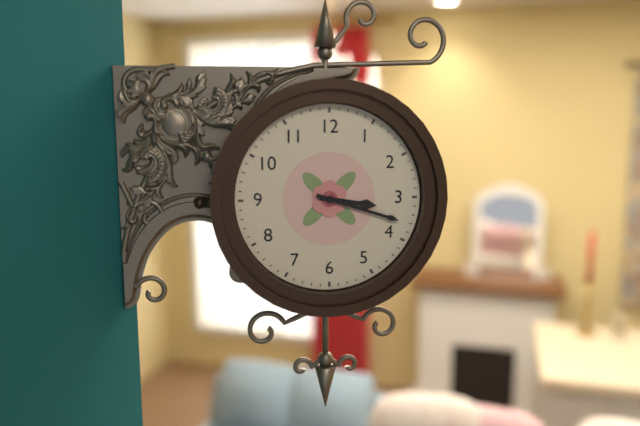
3:18
